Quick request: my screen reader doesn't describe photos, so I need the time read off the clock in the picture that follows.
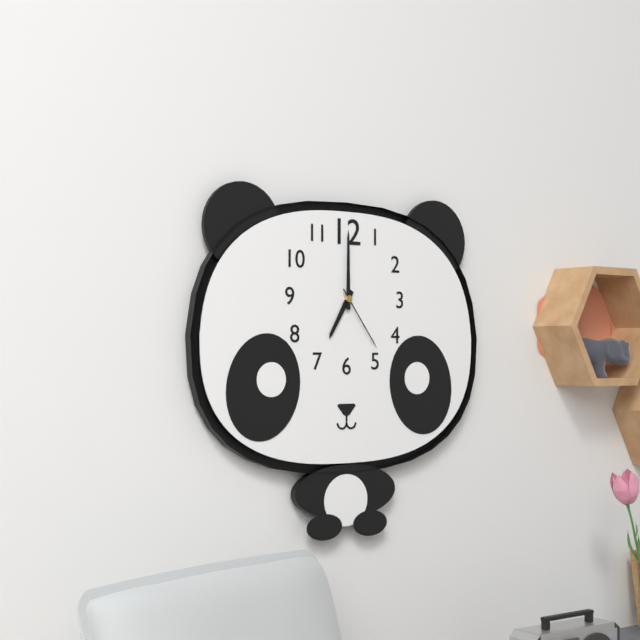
7:00:24
